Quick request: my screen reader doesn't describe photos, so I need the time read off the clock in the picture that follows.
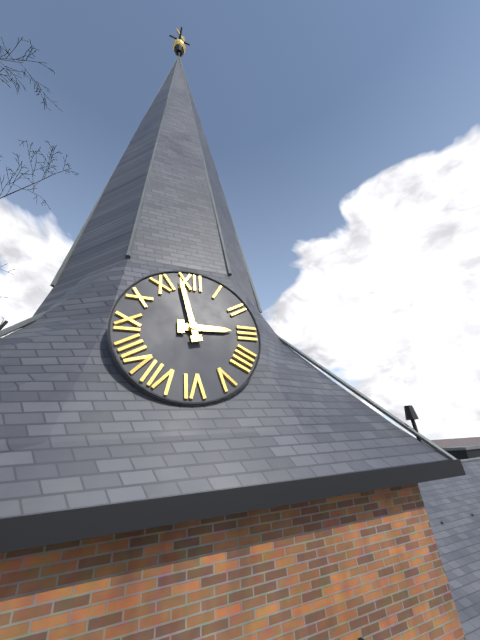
2:58
